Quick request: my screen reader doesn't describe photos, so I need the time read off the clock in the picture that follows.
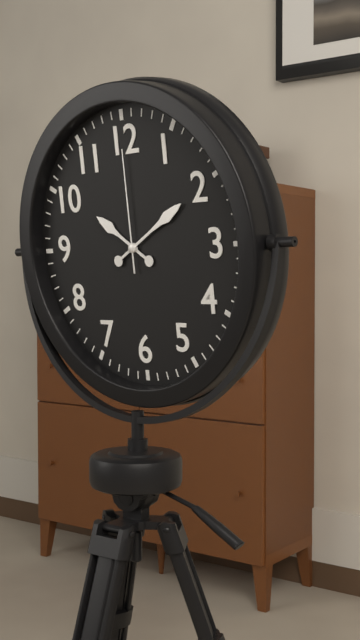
10:10:00
